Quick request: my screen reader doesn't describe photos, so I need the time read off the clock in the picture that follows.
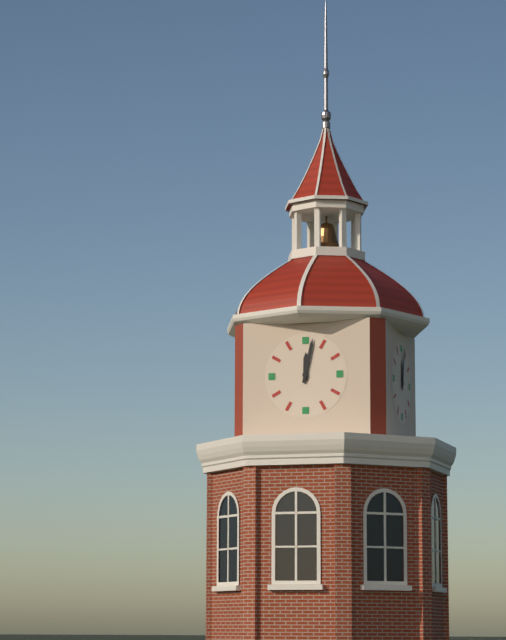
12:02
